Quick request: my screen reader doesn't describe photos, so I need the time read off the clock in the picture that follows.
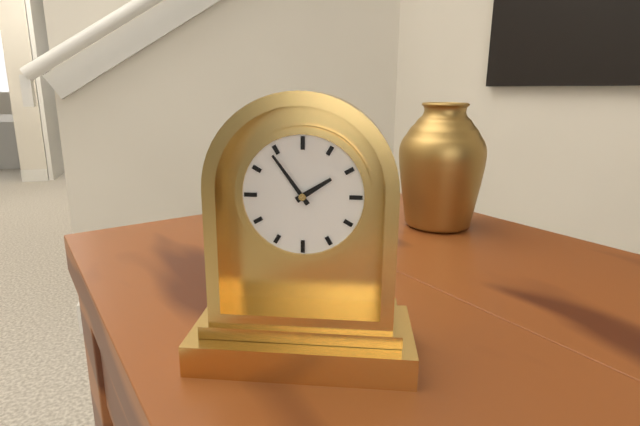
1:54
